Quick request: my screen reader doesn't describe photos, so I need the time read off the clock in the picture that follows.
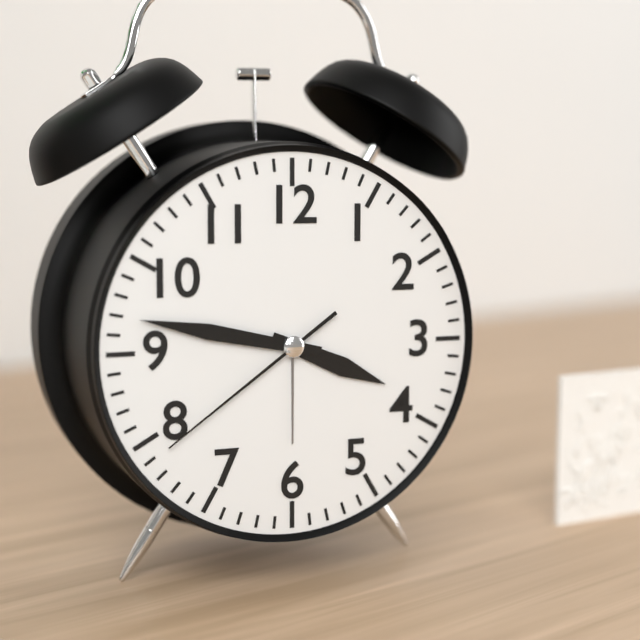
3:47:39
